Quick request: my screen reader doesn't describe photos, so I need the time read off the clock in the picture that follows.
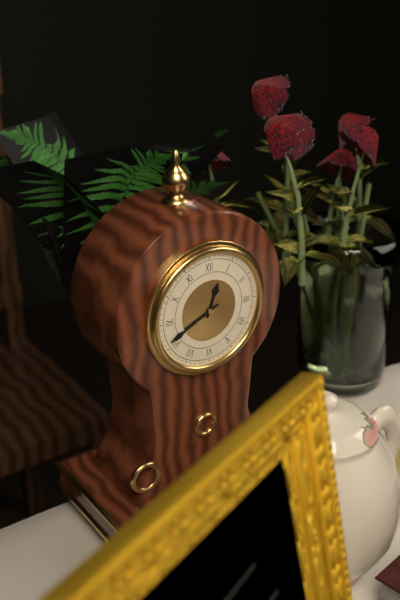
12:41
